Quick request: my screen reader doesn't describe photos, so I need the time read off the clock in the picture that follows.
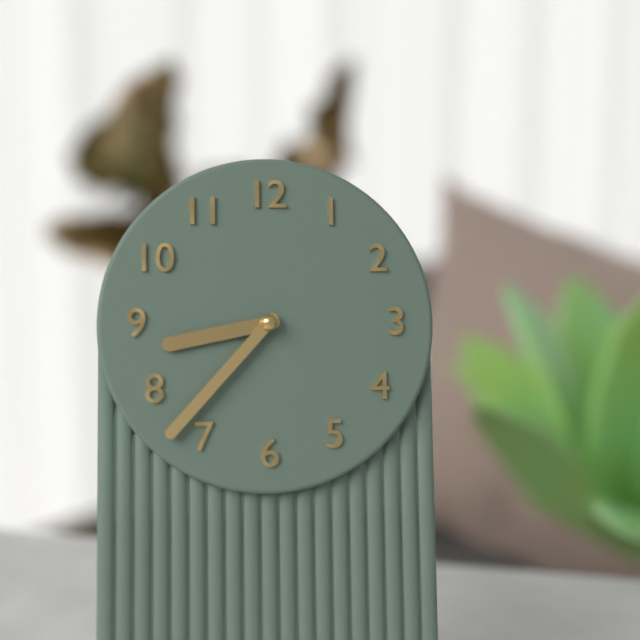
8:37
